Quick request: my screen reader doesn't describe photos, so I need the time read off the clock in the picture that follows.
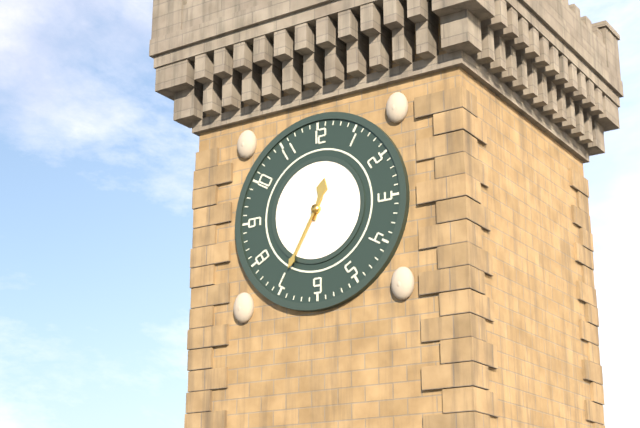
12:35
